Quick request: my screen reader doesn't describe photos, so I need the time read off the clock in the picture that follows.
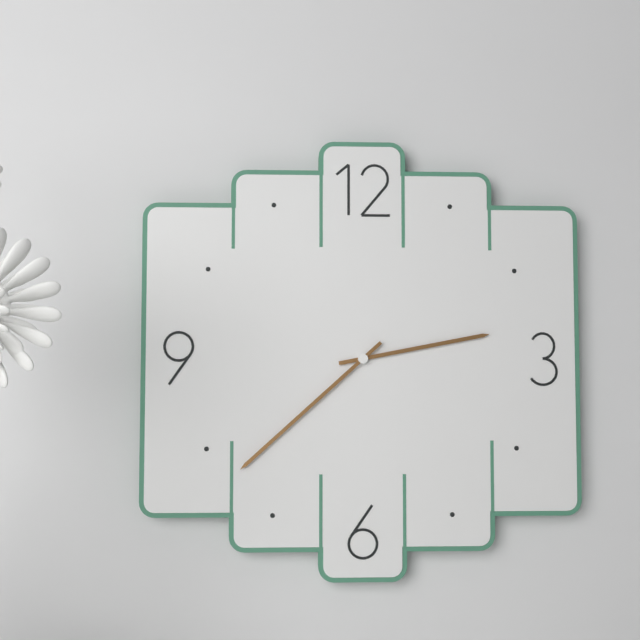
2:38
